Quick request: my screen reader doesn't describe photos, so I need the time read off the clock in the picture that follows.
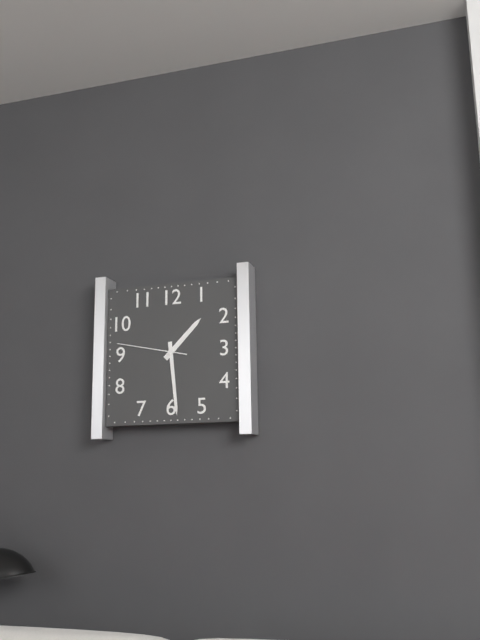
1:29:47
